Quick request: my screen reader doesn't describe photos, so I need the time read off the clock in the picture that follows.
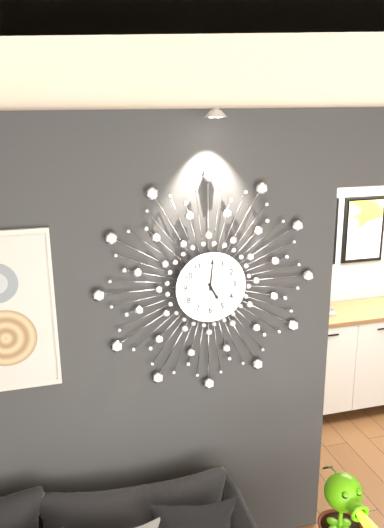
5:01
